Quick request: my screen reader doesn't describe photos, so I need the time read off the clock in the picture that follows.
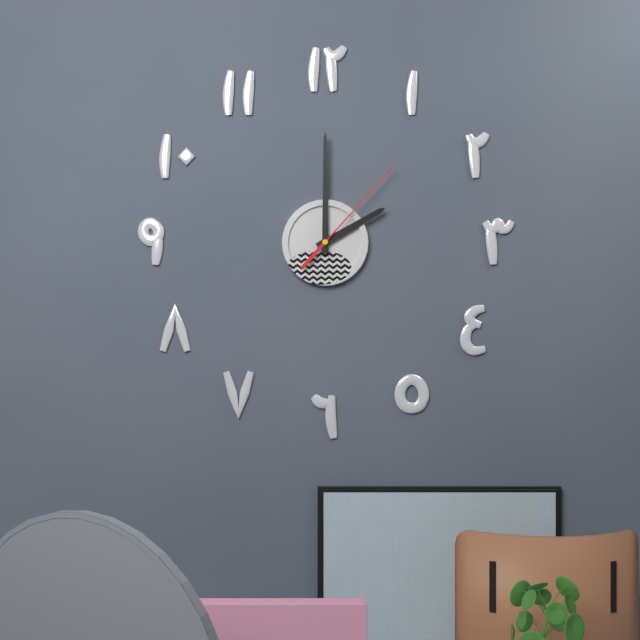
2:00:07
